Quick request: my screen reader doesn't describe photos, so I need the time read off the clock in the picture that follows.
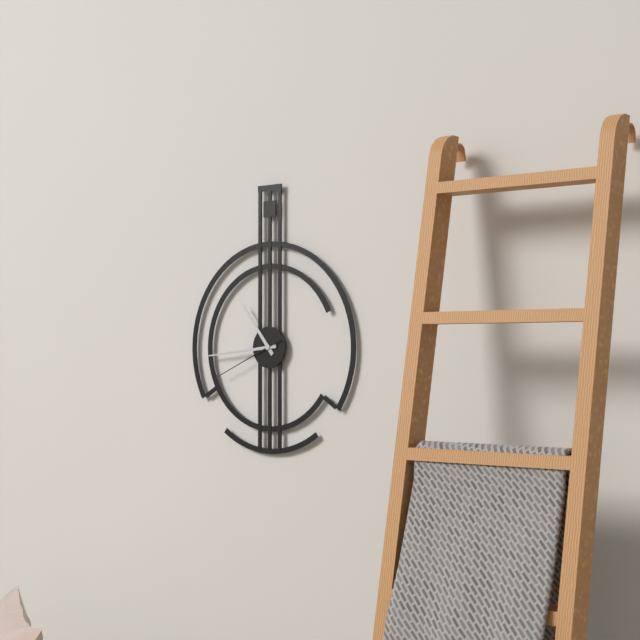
10:44:41
